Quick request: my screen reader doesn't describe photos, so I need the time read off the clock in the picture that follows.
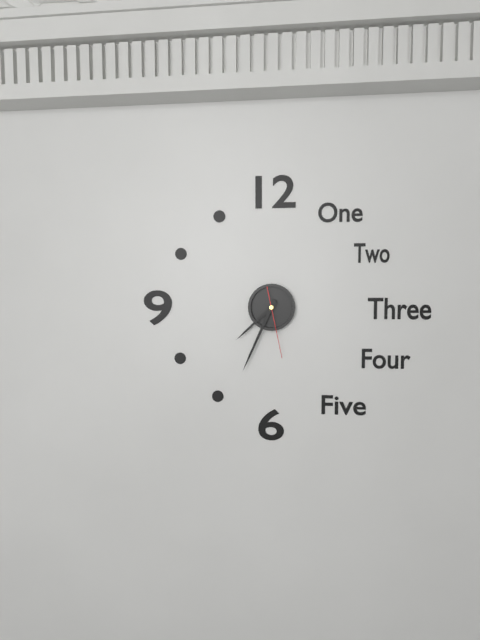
7:34:28
